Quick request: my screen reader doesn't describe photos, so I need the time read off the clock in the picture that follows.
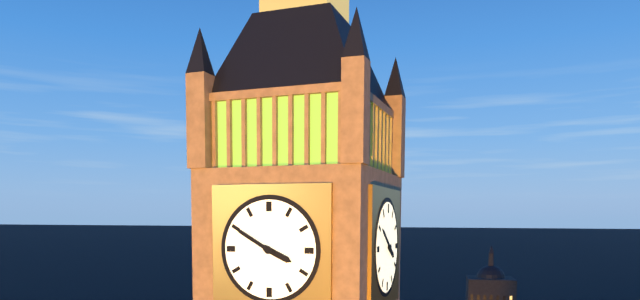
3:50
